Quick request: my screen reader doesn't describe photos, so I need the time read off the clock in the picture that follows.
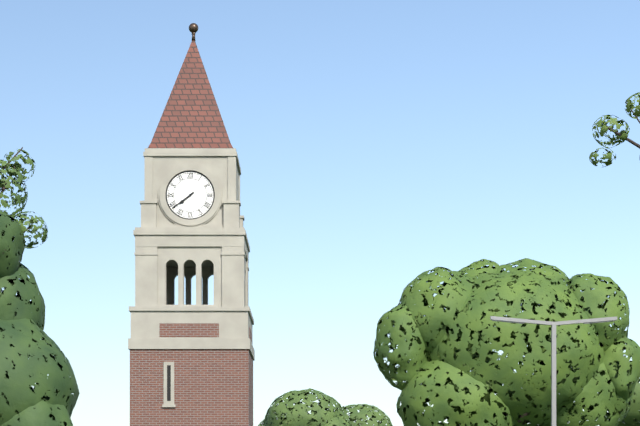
7:39
